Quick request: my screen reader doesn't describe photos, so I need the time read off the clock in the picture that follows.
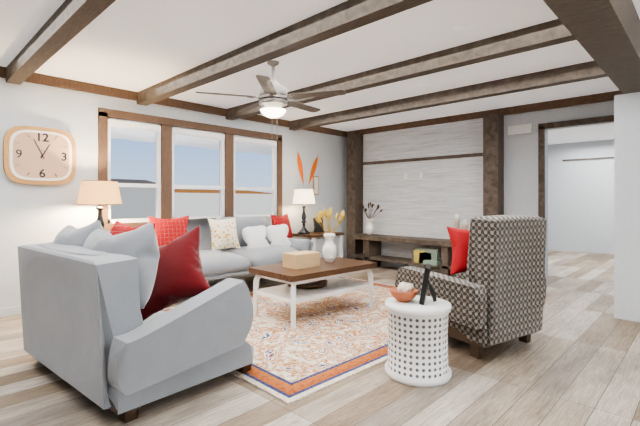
12:56
